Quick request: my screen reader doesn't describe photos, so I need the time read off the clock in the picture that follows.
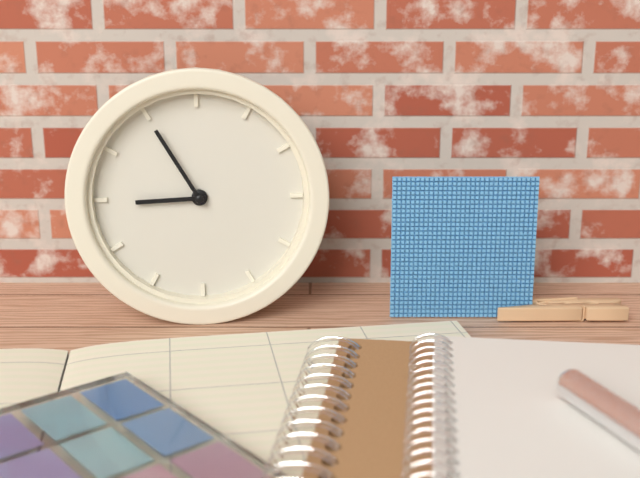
8:55
